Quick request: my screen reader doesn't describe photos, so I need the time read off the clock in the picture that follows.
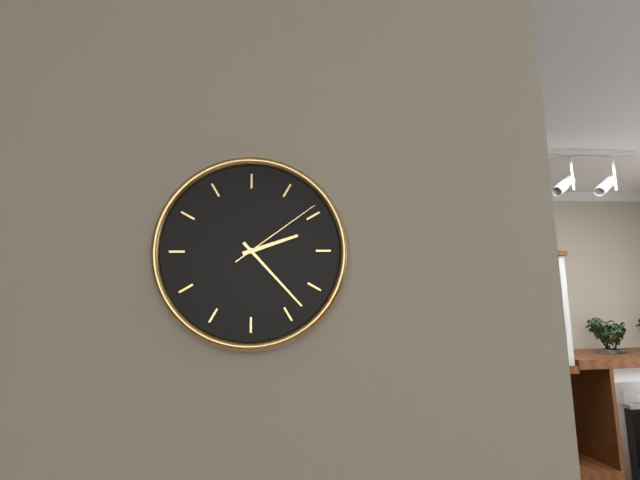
2:23:09
